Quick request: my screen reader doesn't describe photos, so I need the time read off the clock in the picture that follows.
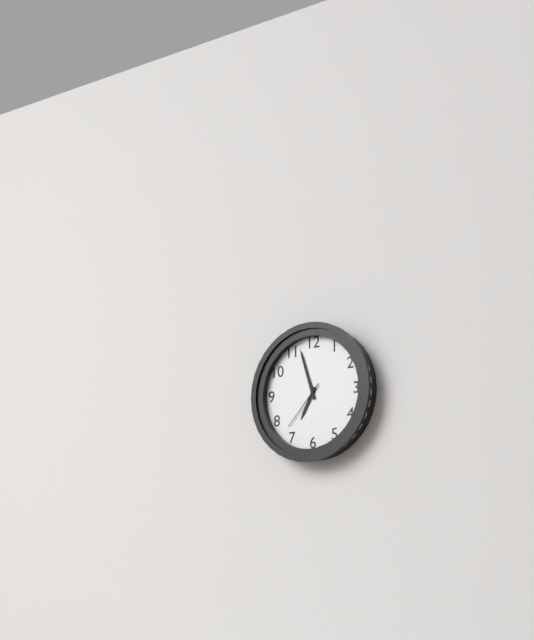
6:57:37
